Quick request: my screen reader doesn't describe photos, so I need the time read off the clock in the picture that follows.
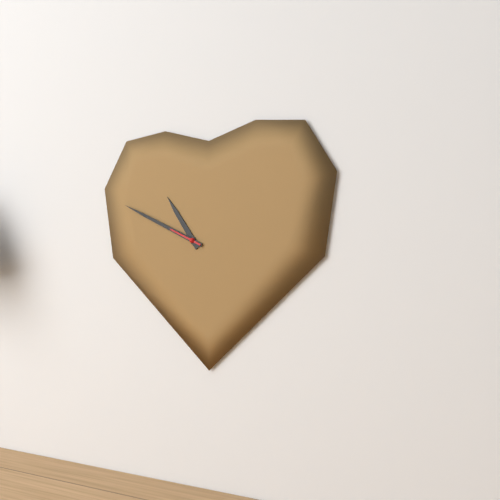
10:49
